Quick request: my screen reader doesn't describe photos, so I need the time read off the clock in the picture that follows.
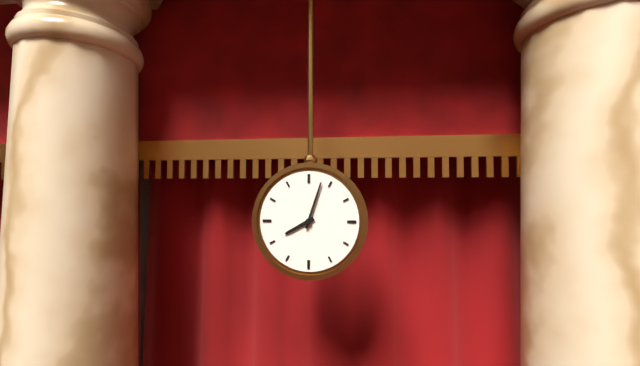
8:03
